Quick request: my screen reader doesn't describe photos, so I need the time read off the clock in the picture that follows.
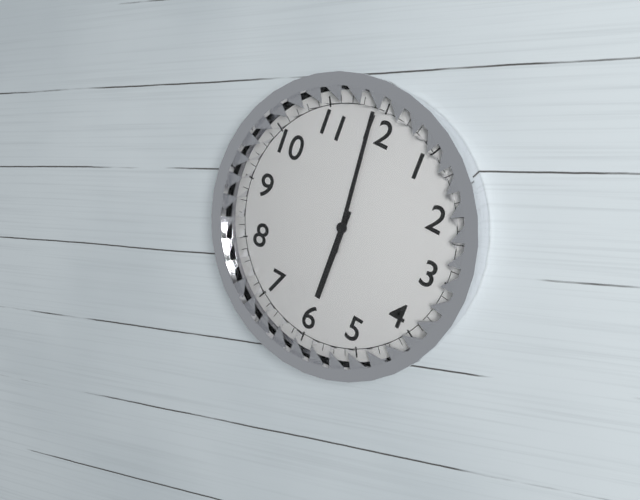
5:59
